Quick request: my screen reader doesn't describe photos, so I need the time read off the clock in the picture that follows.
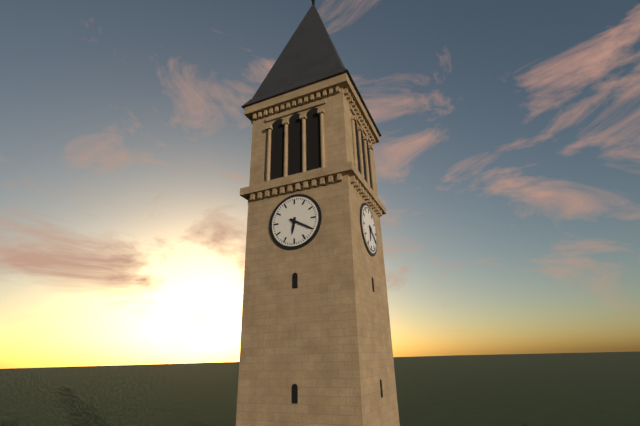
6:20
